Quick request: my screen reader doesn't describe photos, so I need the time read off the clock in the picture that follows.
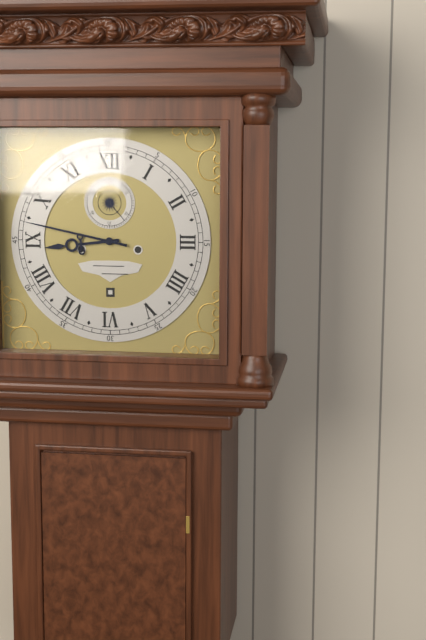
8:47
